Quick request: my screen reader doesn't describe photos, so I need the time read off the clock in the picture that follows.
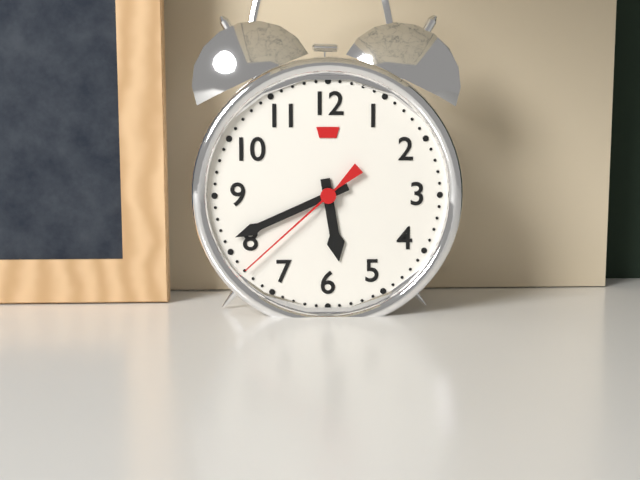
5:41:38
